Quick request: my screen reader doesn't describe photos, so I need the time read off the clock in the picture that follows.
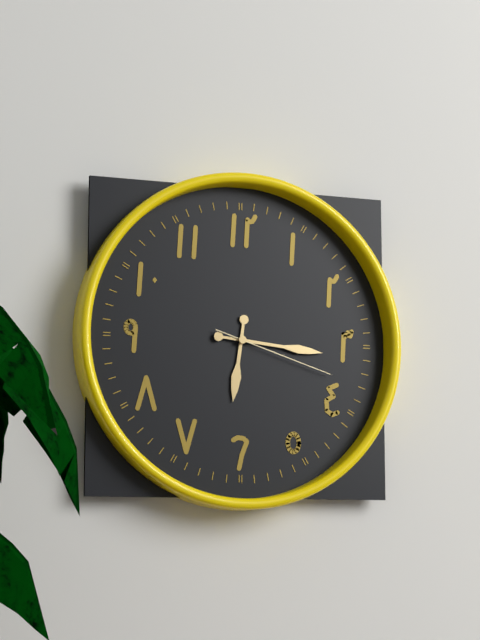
6:16:18
